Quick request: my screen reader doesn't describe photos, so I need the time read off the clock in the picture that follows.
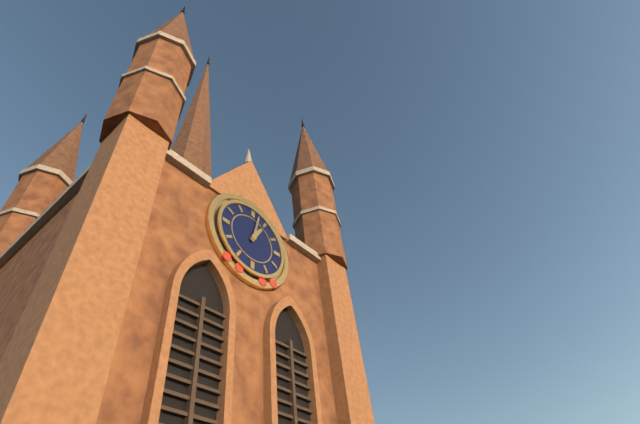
1:02
